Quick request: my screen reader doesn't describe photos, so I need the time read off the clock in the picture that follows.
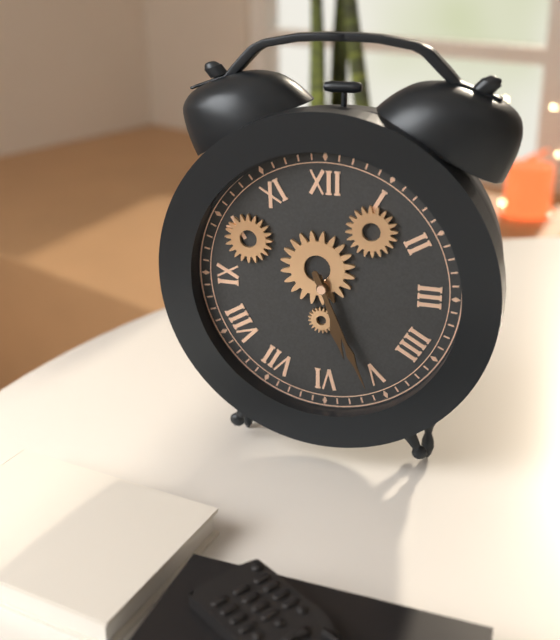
5:26
